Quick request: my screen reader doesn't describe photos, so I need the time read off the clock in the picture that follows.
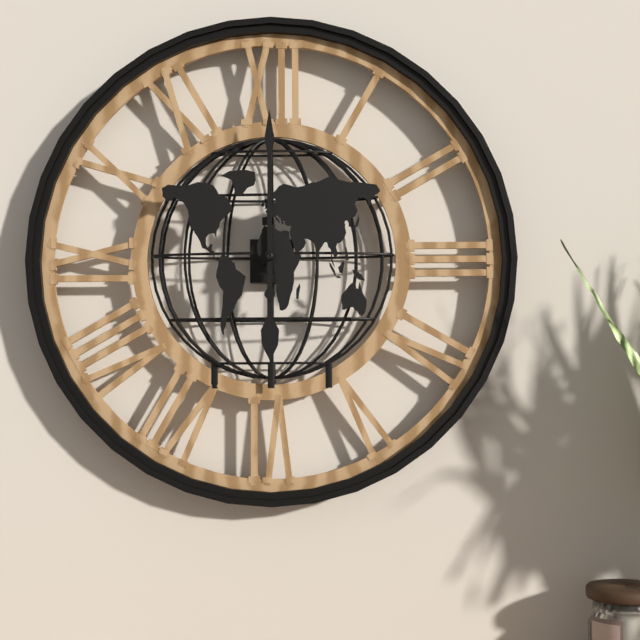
6:00
